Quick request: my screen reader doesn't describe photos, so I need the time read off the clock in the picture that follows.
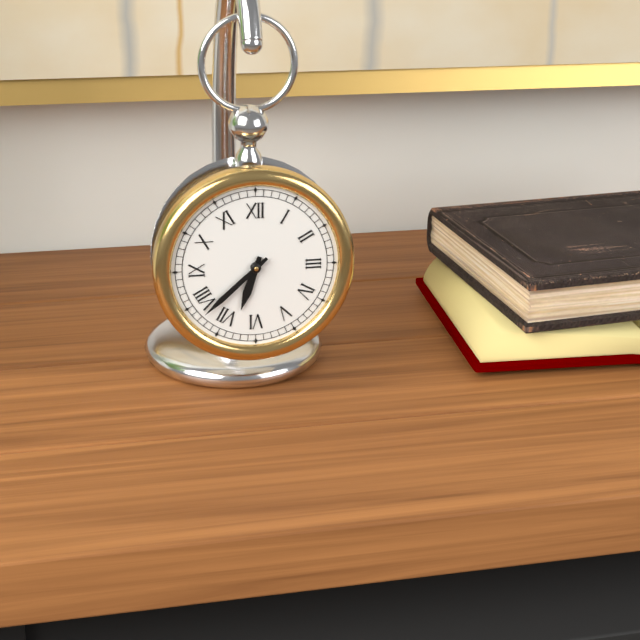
6:38
